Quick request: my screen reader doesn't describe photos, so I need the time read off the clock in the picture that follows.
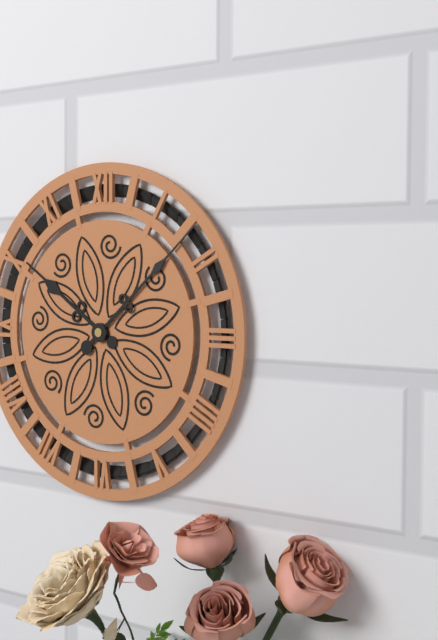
10:08
